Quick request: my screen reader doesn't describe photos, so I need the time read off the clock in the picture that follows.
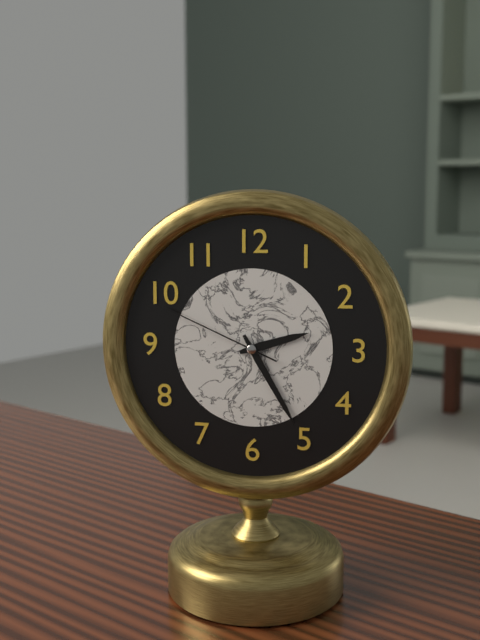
2:25:49
